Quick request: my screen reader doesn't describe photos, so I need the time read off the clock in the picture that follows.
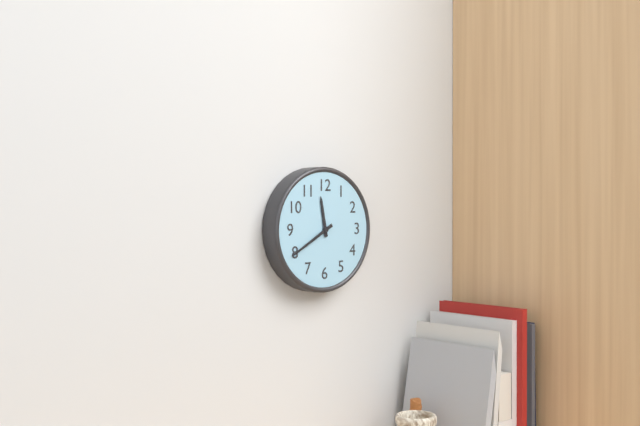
11:40
